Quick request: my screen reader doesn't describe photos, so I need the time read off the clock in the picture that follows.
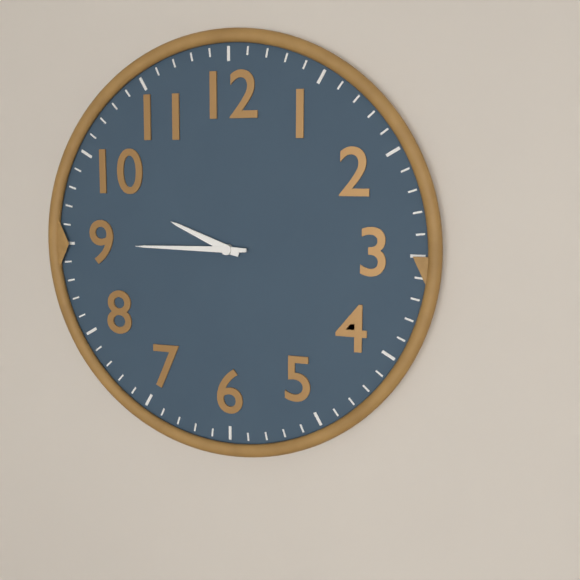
9:45
